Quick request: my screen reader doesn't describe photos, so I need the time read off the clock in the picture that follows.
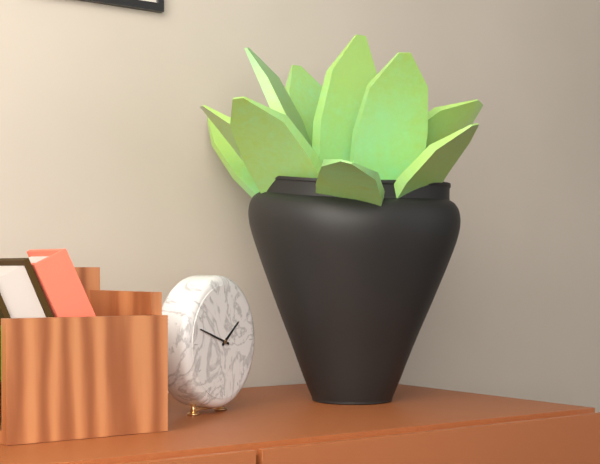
1:48
